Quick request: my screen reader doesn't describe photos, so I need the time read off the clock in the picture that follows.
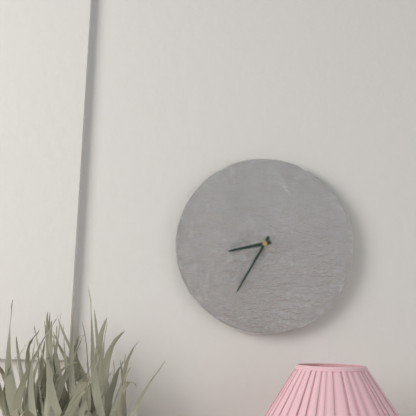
8:35
